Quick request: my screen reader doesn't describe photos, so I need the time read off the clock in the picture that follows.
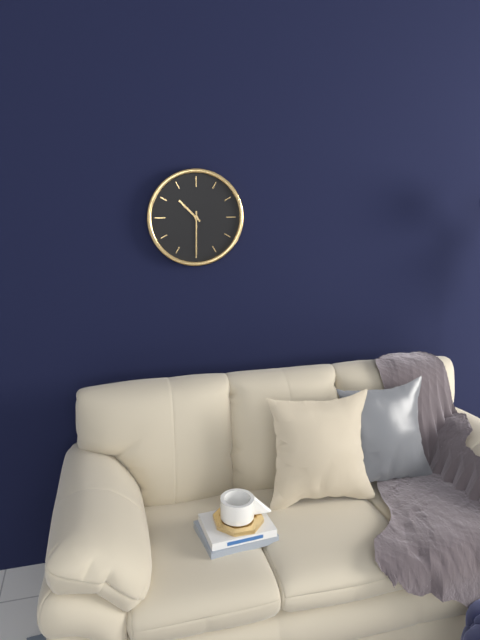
10:30
